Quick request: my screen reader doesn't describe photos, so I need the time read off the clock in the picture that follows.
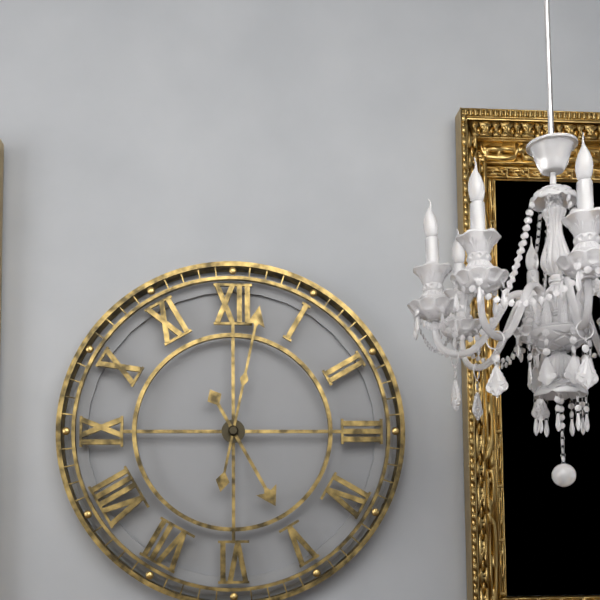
5:02
